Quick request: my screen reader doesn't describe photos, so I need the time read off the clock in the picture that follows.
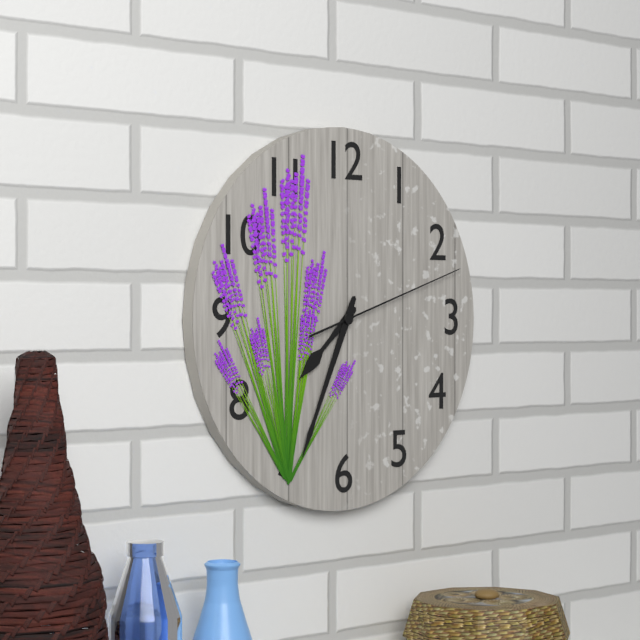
7:34:12
